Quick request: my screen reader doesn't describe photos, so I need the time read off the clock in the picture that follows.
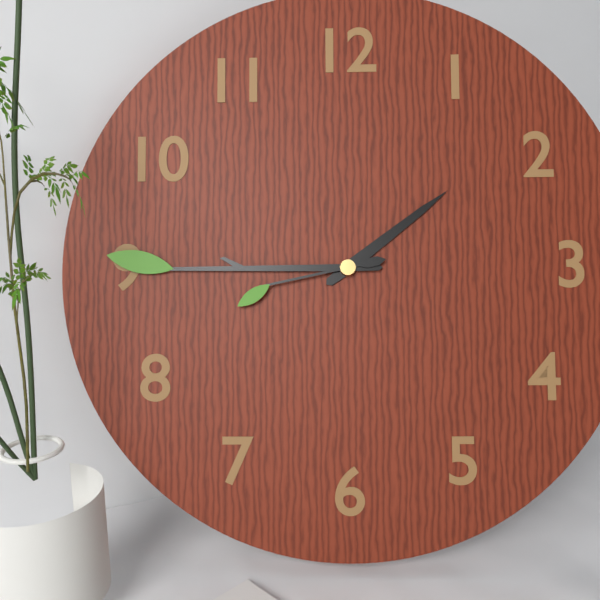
1:45:43
